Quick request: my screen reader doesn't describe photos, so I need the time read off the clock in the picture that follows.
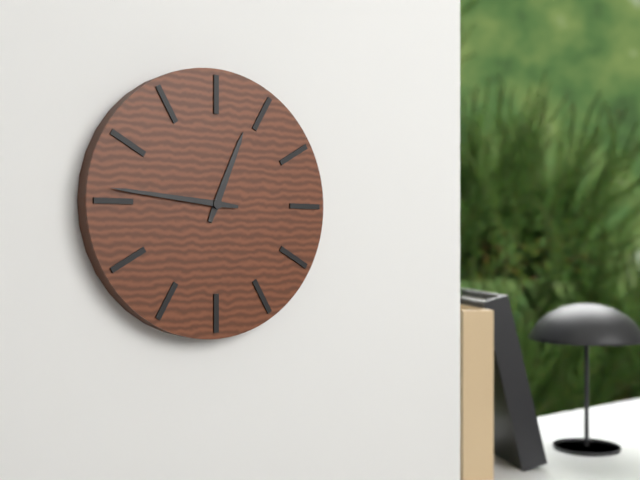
12:46
